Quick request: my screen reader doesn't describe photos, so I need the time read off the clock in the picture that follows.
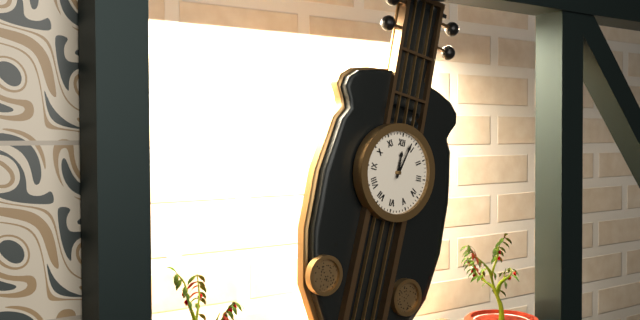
12:03
